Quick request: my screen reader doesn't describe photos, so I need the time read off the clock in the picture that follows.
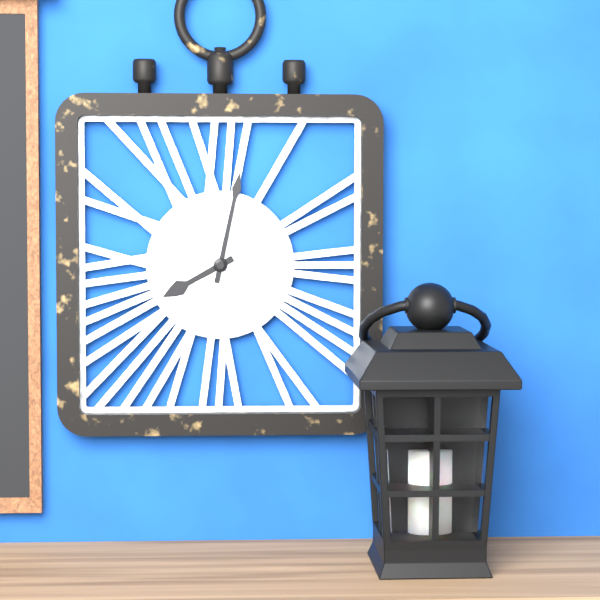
8:02
